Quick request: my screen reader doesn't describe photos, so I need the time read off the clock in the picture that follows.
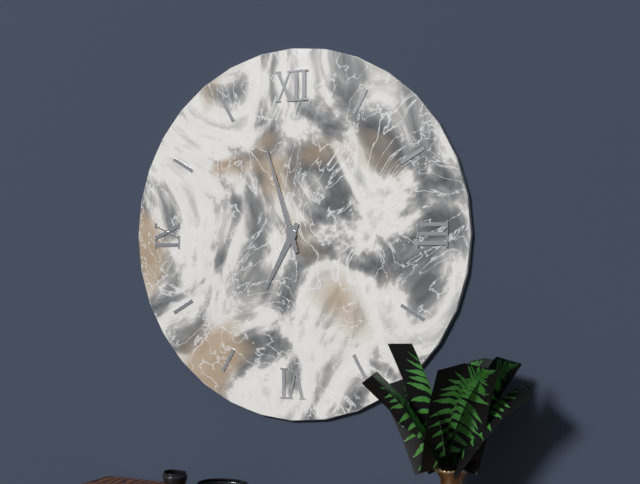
6:57
